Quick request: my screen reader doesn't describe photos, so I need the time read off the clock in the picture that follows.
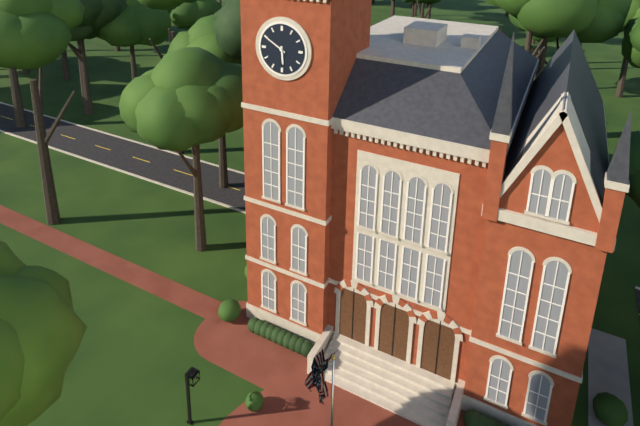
5:50
